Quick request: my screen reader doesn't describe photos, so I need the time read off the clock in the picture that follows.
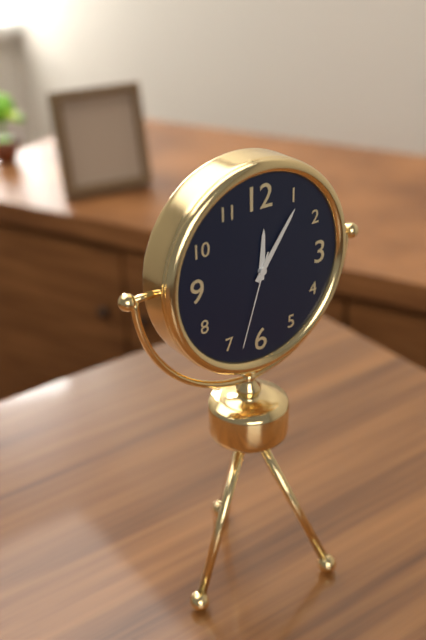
12:06:33
